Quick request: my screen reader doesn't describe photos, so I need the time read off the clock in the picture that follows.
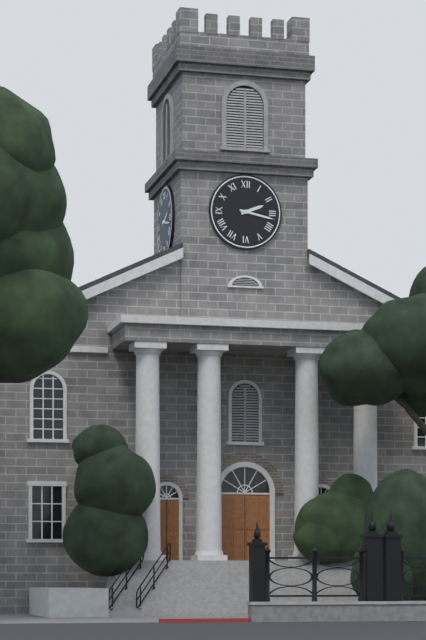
2:17
